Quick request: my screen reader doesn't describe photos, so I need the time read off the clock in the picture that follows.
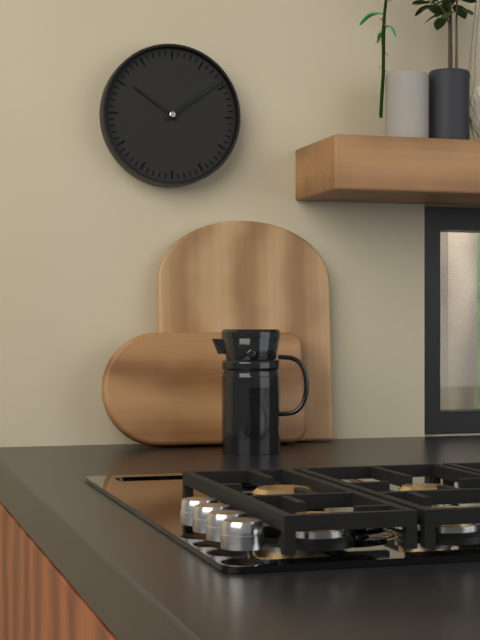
10:09
